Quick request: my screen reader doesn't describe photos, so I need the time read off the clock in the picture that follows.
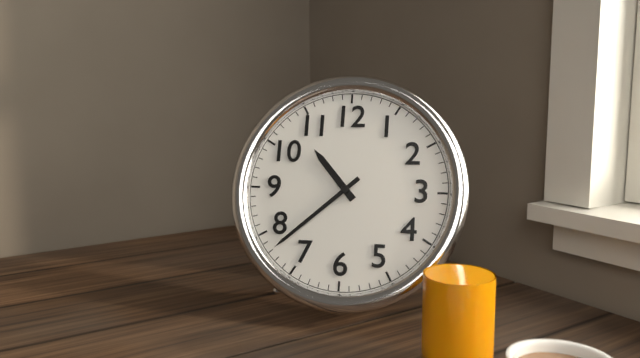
10:38
